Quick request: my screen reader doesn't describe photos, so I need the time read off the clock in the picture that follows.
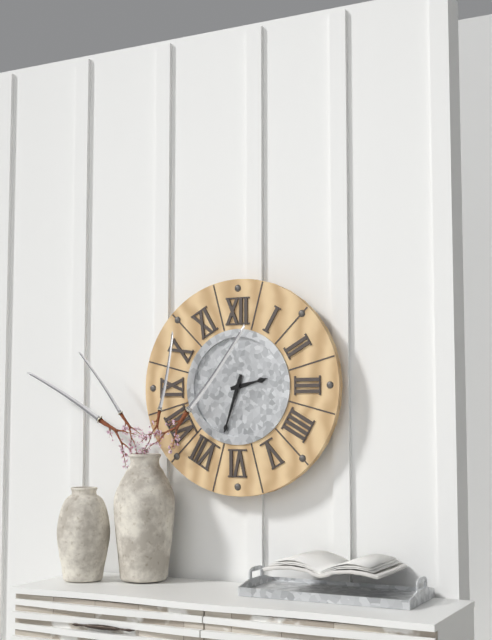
2:33
